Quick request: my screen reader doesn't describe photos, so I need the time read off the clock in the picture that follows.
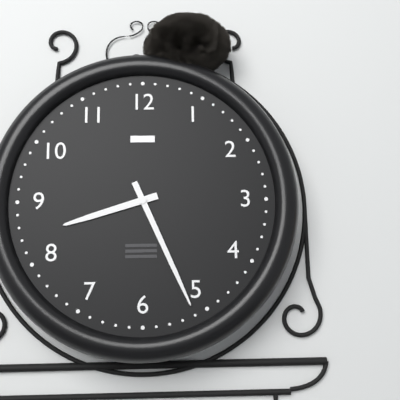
8:26
